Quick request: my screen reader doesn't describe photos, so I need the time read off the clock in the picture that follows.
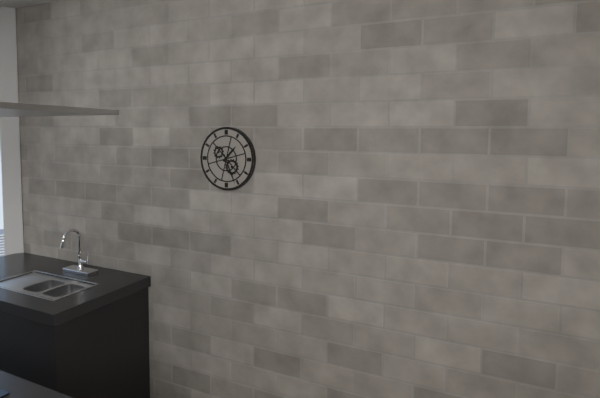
1:26
